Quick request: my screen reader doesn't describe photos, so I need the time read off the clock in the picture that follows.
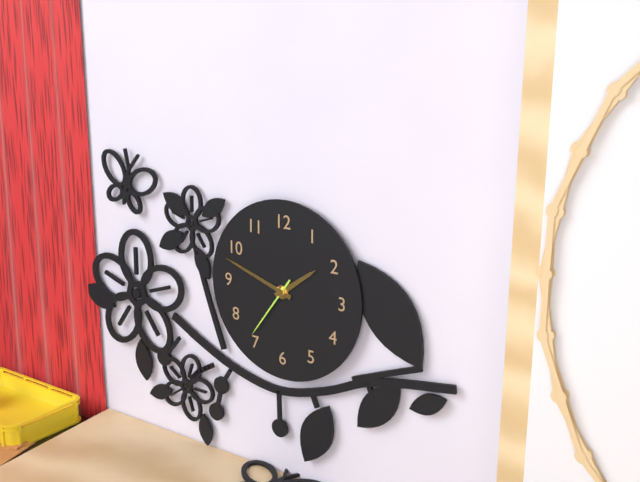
1:48:36
